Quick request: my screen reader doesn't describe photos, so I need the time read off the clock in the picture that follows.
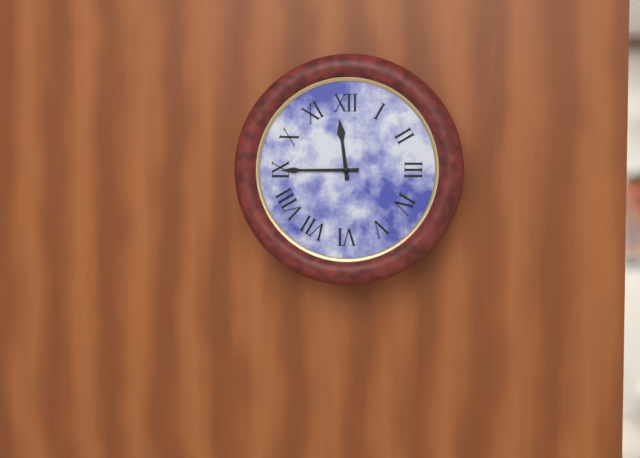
11:45
